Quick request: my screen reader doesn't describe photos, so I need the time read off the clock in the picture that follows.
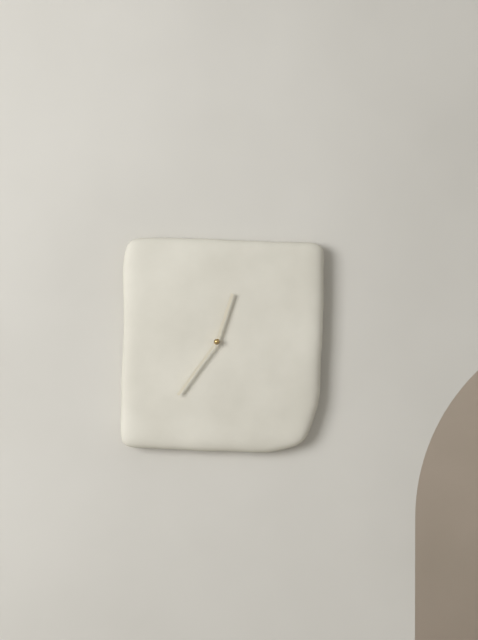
12:36
